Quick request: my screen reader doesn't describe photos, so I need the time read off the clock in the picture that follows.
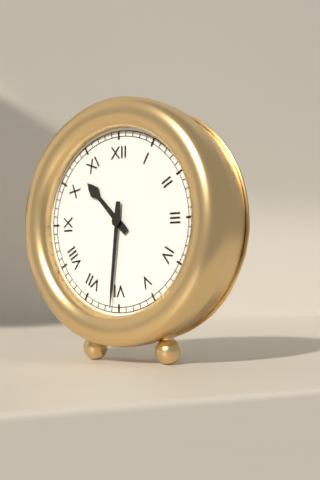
10:31
